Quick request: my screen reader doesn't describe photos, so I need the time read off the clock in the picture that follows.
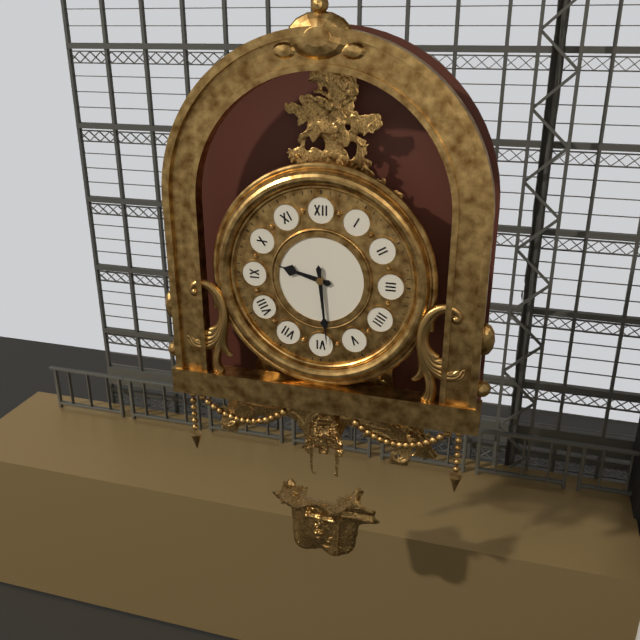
9:29
